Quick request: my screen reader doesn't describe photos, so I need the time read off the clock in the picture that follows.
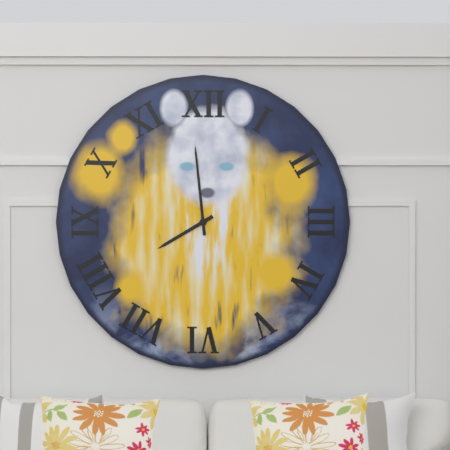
7:59
